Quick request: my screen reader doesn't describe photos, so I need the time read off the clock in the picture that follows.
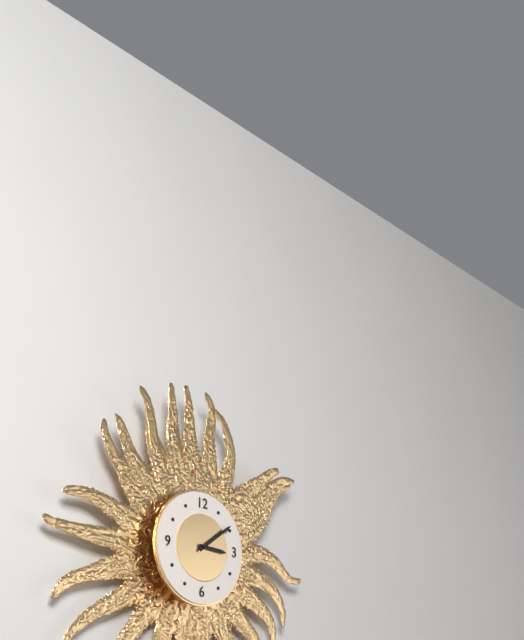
3:09
